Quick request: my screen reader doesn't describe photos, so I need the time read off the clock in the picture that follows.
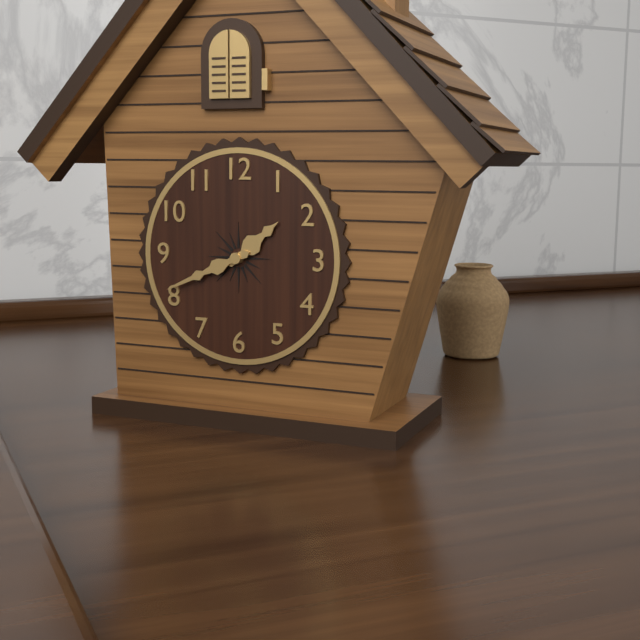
1:41
